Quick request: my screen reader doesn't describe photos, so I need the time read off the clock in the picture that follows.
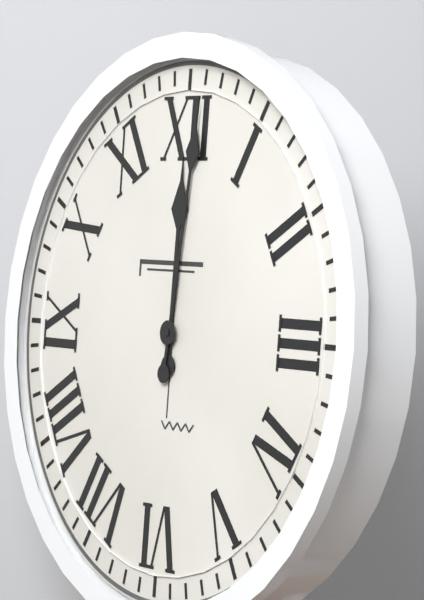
12:01
